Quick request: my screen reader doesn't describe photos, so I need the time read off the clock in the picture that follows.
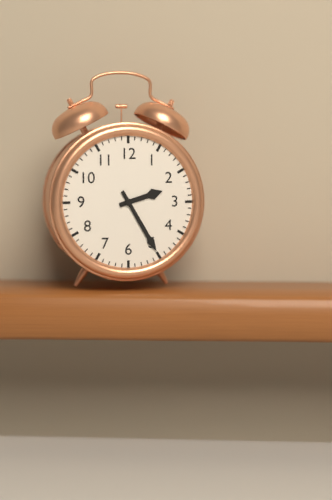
2:25
